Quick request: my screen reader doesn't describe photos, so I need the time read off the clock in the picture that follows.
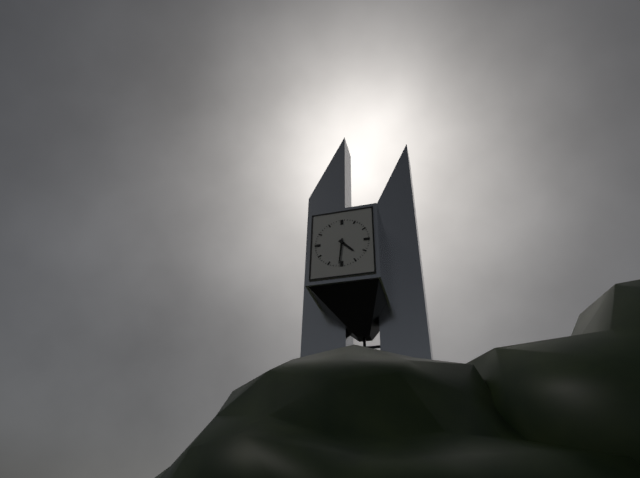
4:31
